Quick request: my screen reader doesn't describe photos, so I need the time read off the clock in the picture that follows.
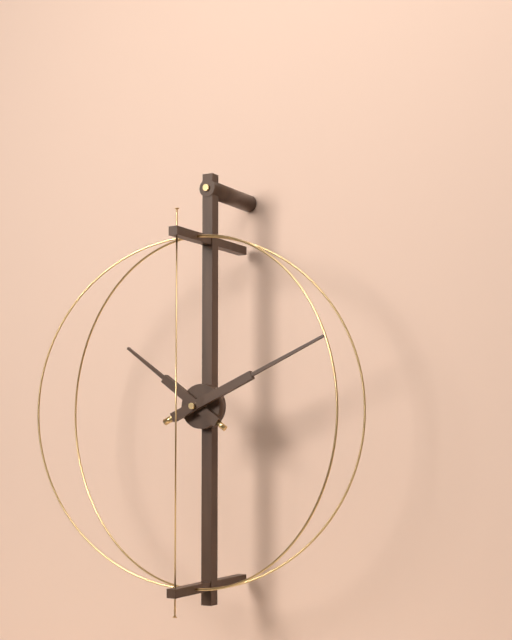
10:11
